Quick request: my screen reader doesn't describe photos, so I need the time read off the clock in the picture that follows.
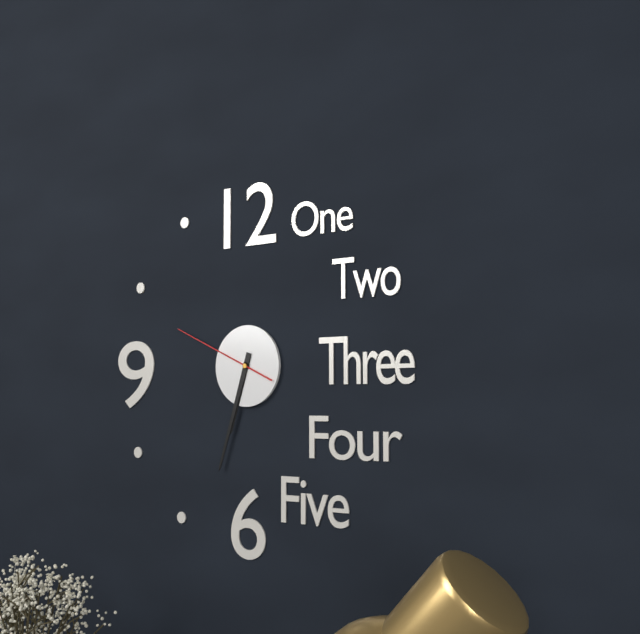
6:33:49
